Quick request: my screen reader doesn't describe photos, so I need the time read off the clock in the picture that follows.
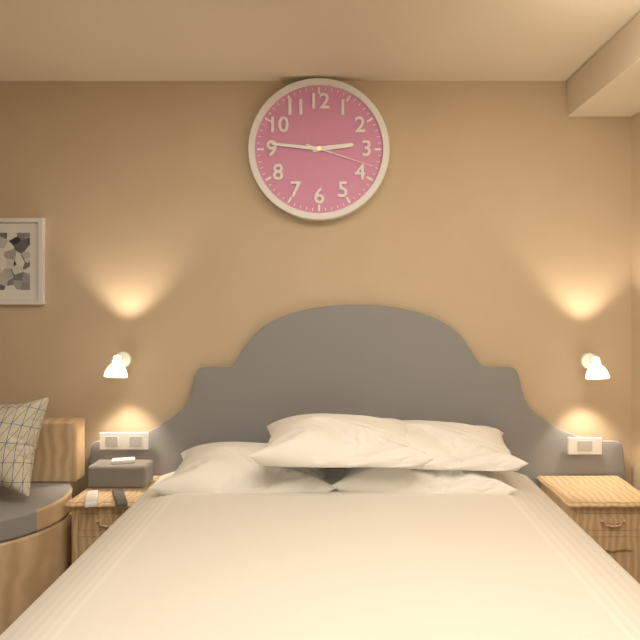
2:46:18
